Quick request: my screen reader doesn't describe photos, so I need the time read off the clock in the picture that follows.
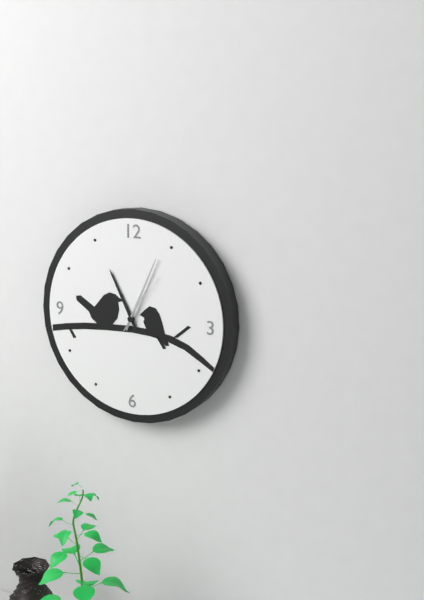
11:04:05
